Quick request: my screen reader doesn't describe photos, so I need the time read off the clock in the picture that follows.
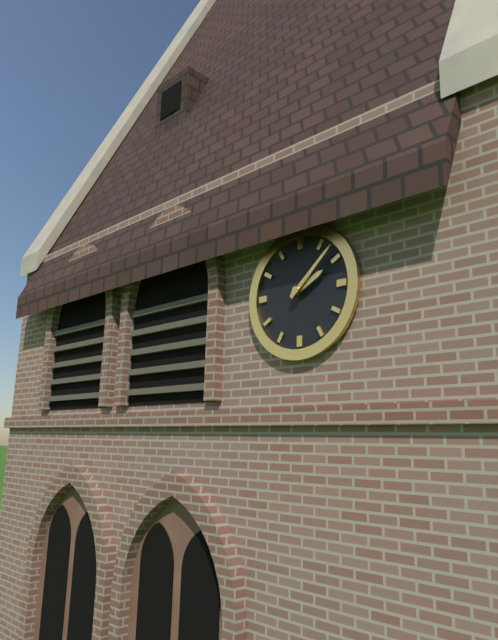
2:08
